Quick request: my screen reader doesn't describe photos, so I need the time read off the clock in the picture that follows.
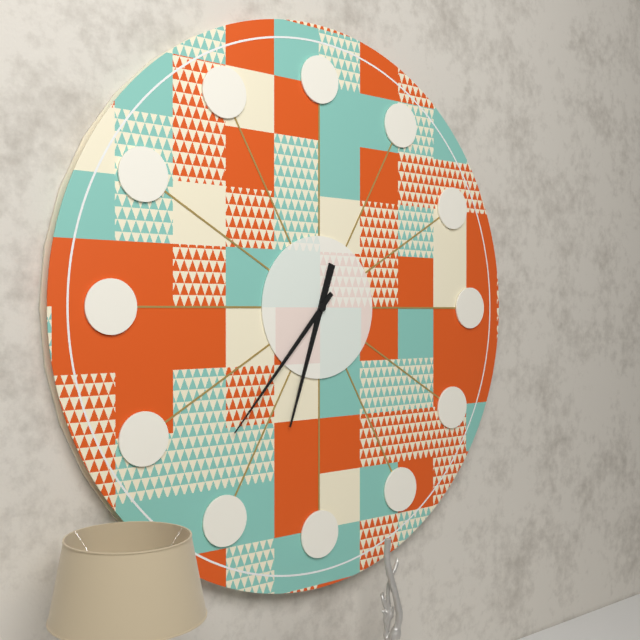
6:37
